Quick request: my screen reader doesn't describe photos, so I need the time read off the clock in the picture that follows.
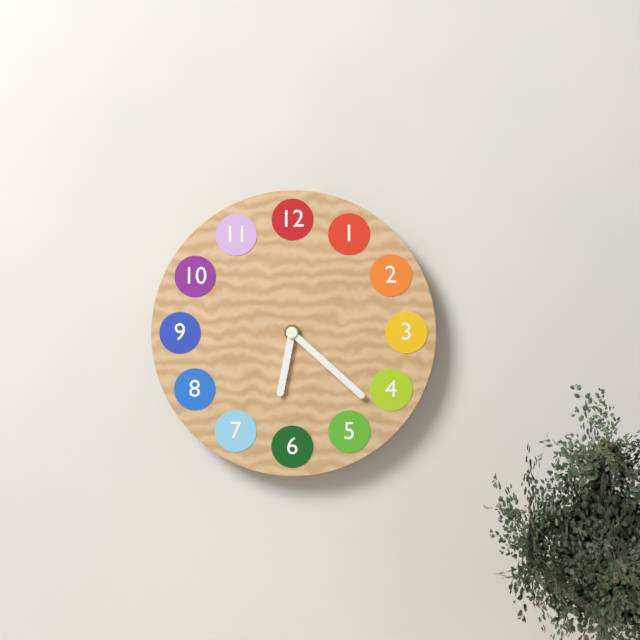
6:22
